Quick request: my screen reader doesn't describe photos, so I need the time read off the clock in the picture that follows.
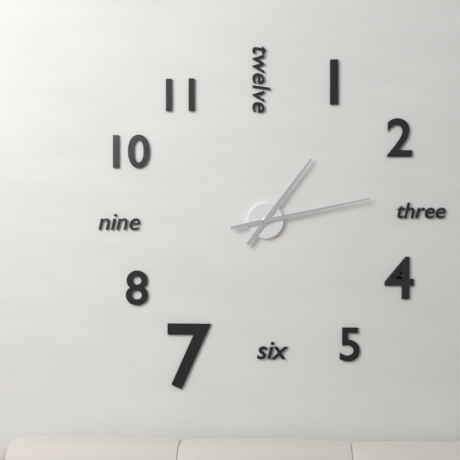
1:13
